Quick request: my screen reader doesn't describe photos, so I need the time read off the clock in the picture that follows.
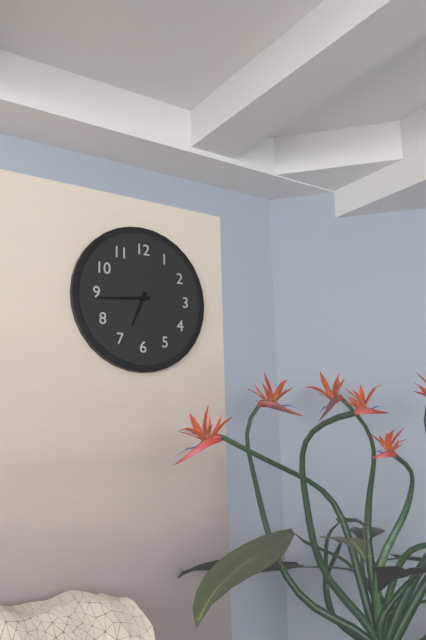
6:44
